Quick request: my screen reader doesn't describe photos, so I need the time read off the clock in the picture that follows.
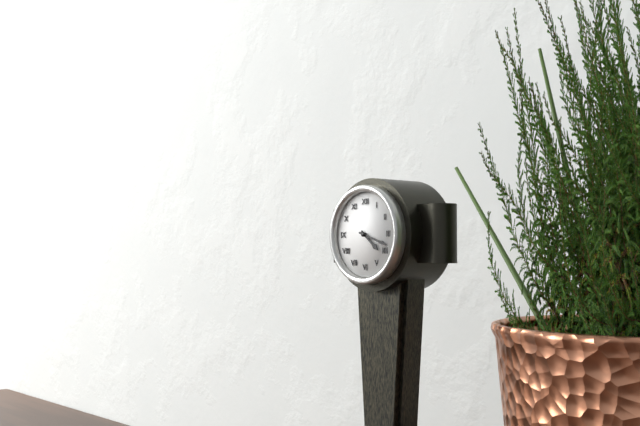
4:18
